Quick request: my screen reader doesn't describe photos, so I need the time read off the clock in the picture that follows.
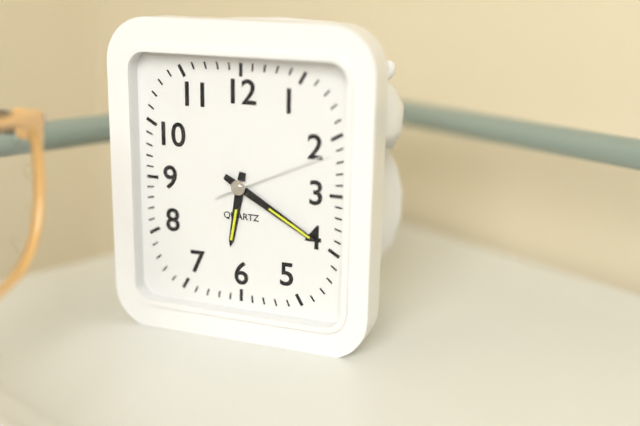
6:20:11
